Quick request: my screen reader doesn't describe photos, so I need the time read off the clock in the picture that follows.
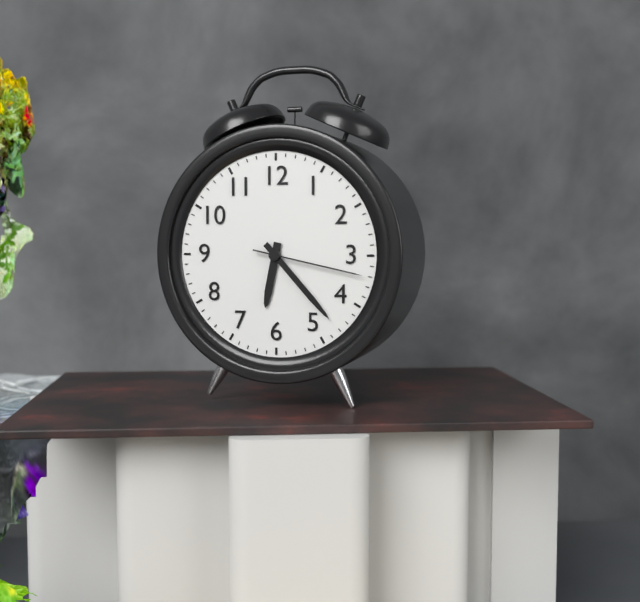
6:23:17
